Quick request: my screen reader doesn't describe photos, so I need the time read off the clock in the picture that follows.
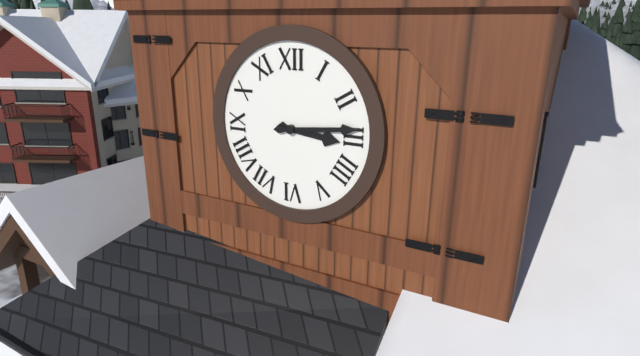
3:14
